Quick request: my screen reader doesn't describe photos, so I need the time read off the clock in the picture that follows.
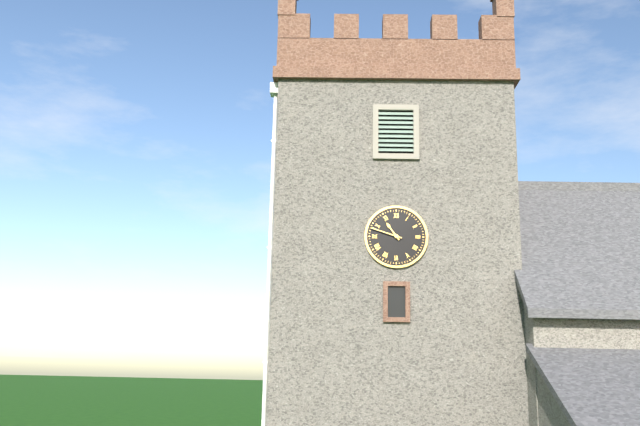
10:48
